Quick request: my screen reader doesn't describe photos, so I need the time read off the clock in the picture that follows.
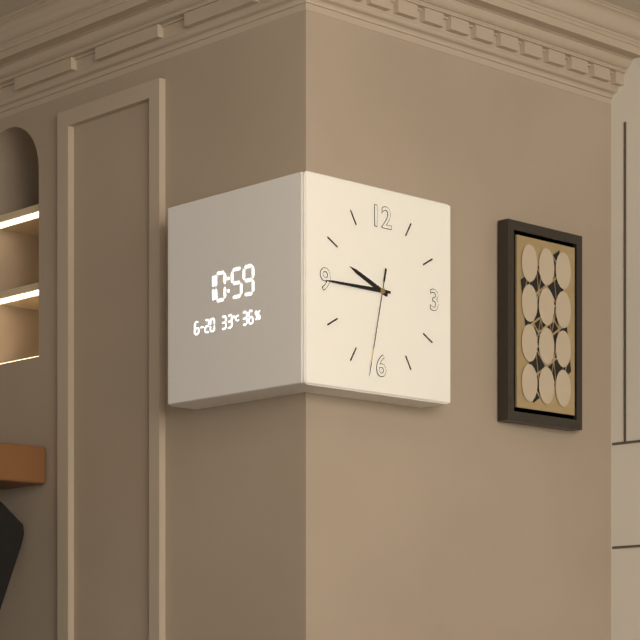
9:45:32
